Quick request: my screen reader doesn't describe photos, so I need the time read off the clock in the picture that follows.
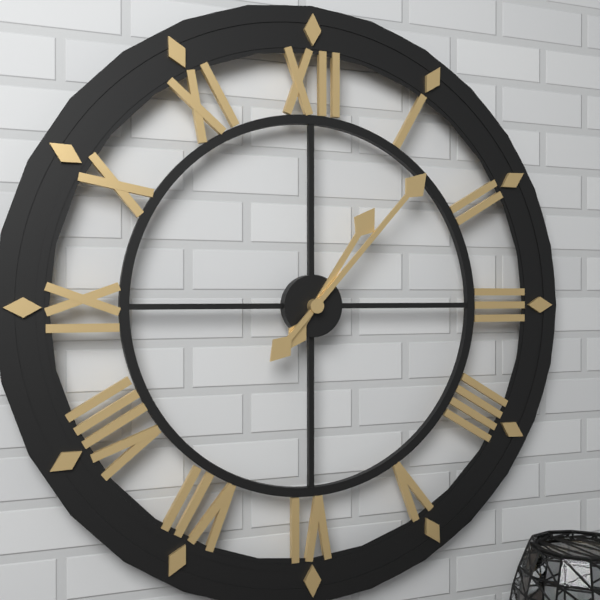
1:07
